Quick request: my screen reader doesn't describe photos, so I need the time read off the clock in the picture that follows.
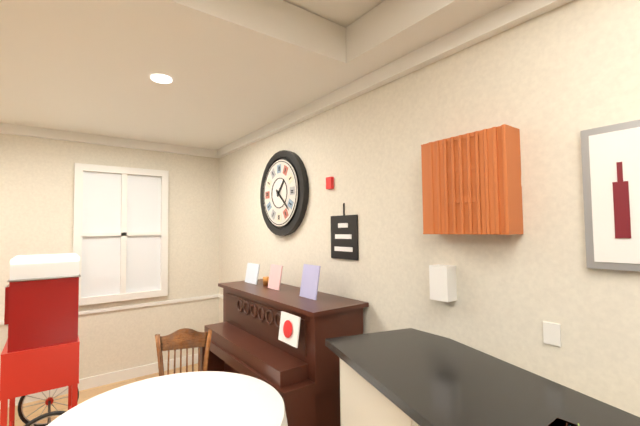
1:22
